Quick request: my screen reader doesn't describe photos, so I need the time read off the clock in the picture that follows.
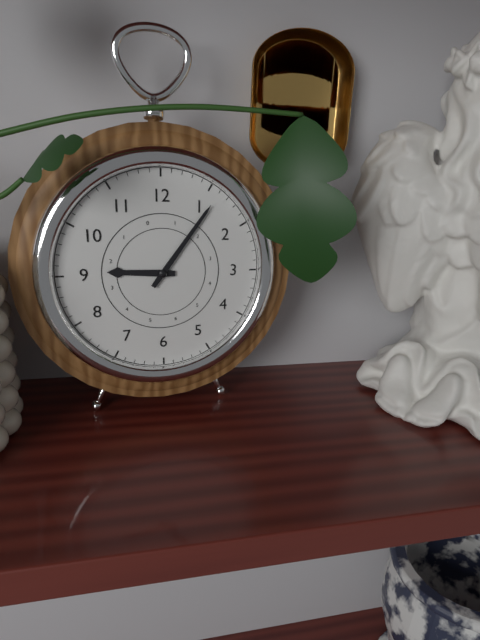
9:06
